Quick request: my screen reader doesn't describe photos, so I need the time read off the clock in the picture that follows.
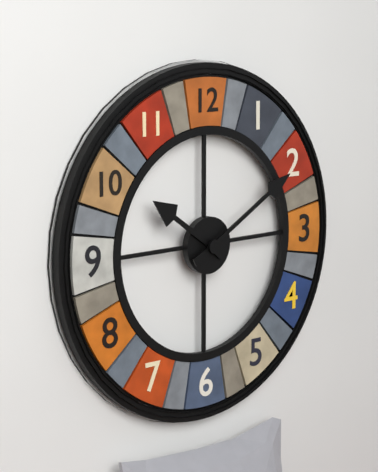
10:10
